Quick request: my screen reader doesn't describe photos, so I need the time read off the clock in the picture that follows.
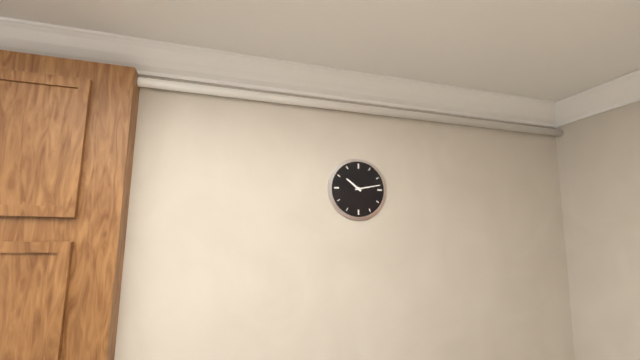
10:13
